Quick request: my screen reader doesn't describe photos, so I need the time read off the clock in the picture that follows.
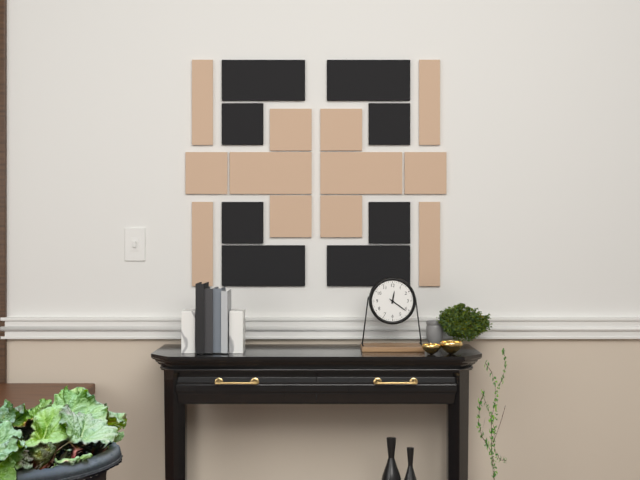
12:21
